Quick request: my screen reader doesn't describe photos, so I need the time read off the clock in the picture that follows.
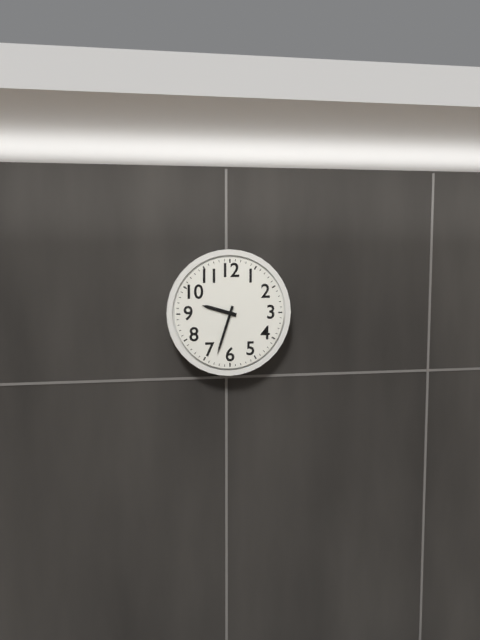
9:33
